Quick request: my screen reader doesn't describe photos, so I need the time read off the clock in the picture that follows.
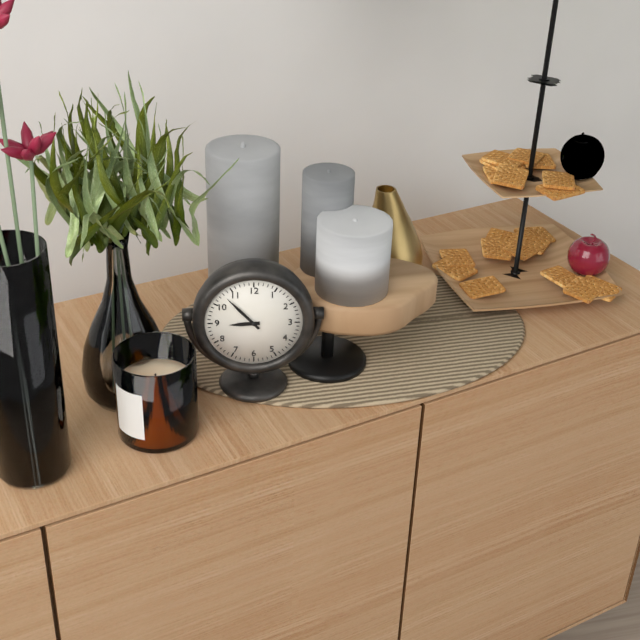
8:53
